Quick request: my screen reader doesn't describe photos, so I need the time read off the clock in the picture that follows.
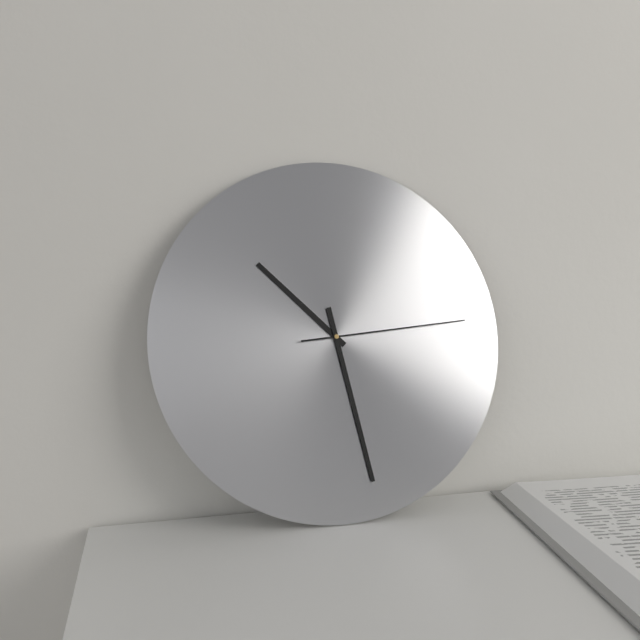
10:28:14
